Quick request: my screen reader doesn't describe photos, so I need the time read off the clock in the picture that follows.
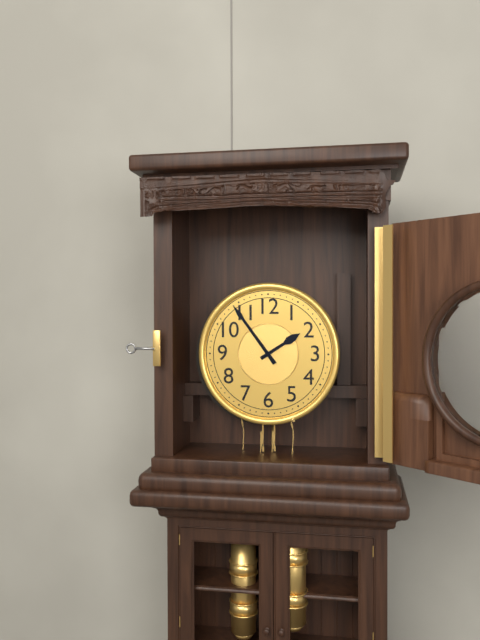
1:54
